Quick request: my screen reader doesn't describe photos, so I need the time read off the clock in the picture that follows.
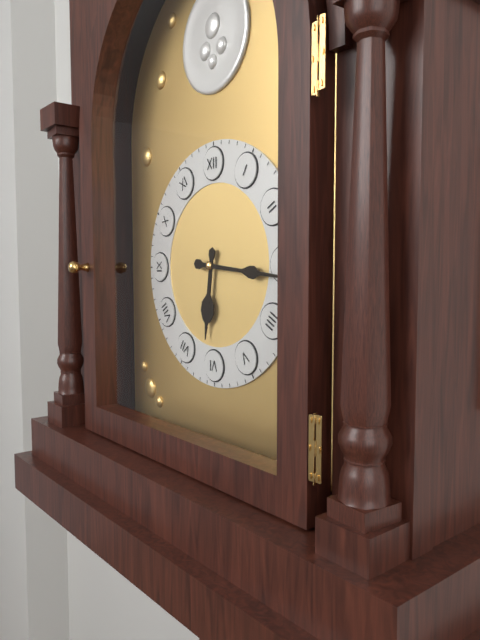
6:16
